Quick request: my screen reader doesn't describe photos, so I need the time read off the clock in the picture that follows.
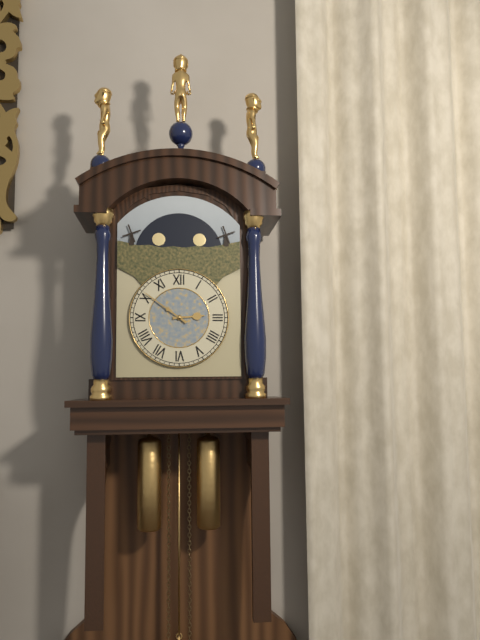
2:51
